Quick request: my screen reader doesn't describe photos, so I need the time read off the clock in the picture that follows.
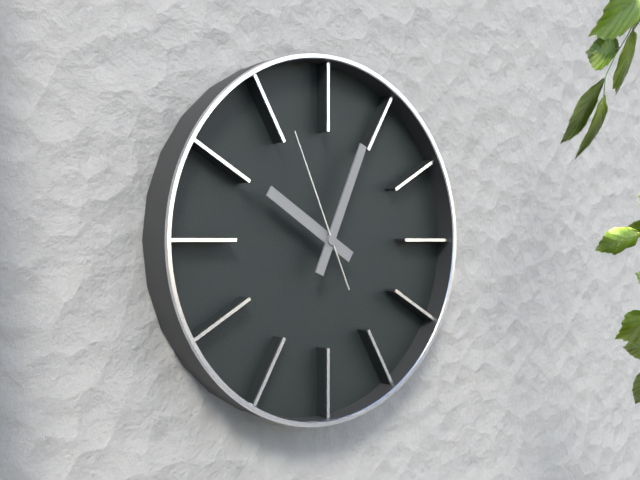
10:04:56
